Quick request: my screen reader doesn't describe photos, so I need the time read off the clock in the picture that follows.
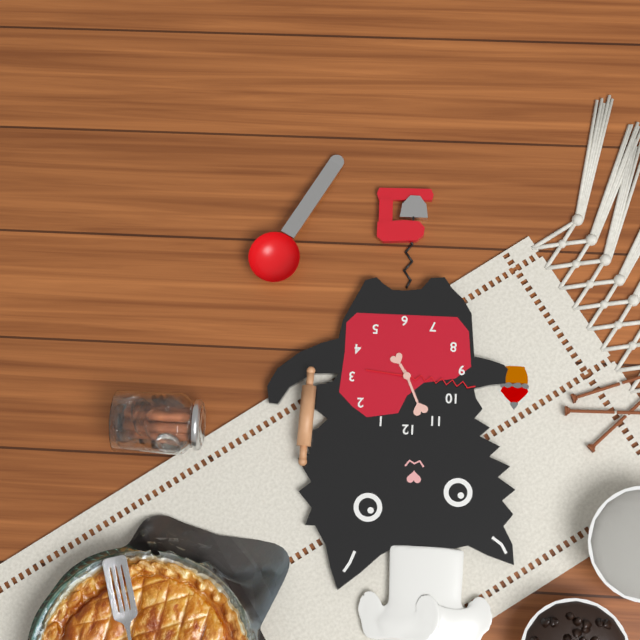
4:56:46
